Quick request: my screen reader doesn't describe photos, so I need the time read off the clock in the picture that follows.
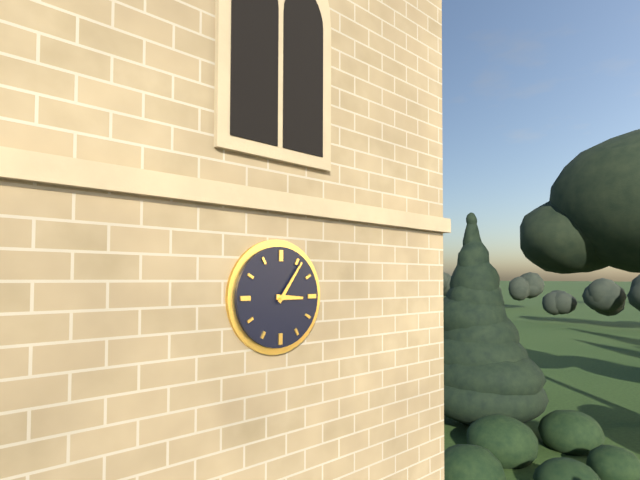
3:06
